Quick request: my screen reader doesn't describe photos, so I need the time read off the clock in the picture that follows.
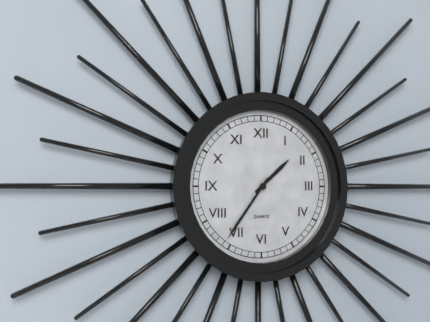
1:36
